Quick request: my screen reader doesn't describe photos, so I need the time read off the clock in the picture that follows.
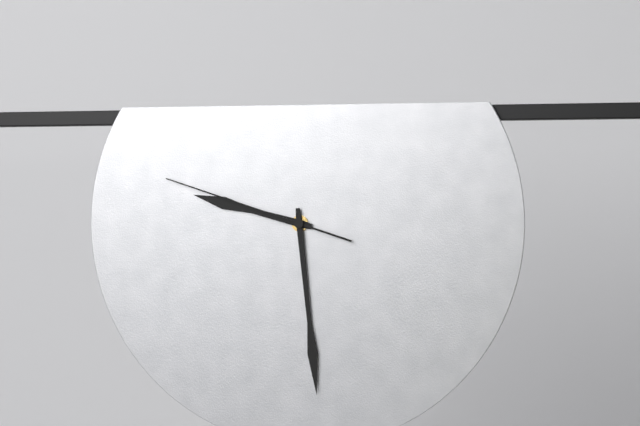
9:29:48
